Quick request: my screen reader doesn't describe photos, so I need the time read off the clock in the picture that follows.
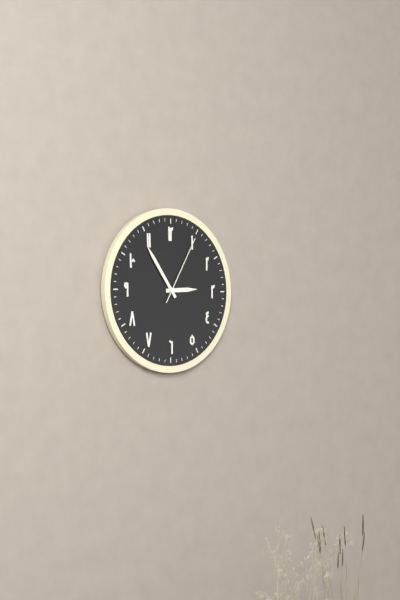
2:54:05
